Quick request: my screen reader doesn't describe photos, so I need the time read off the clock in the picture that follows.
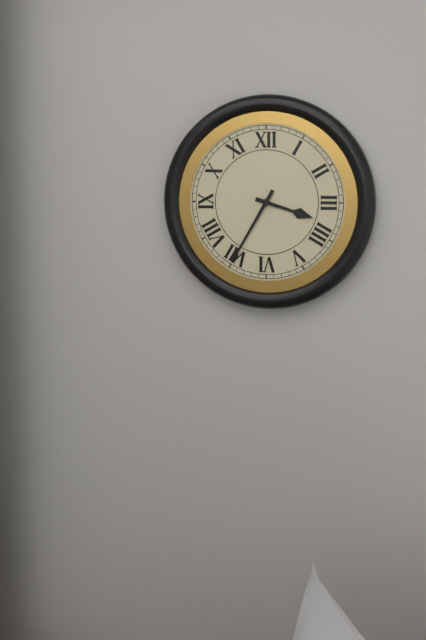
3:35
